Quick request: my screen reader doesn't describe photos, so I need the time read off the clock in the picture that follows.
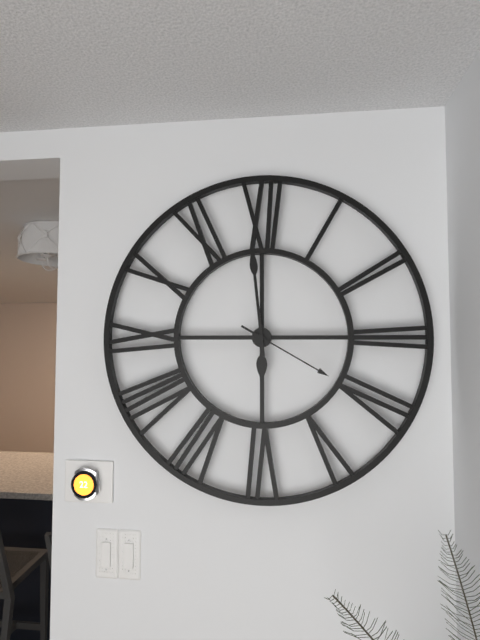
5:59:20
